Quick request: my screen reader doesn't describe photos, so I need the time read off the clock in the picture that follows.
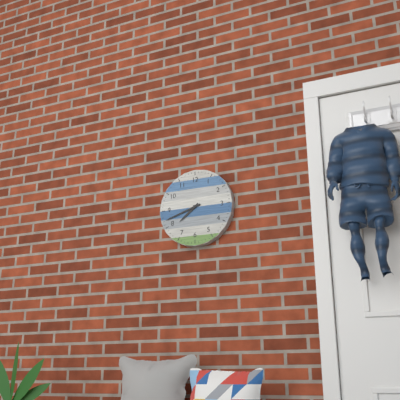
7:42
